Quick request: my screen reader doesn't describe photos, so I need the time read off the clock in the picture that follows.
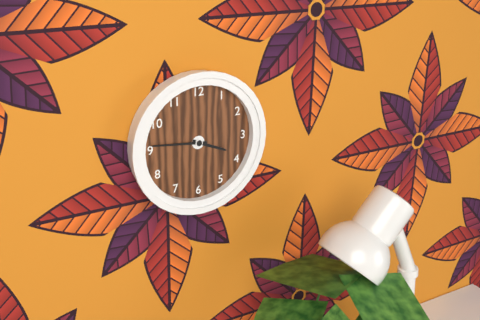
3:46
